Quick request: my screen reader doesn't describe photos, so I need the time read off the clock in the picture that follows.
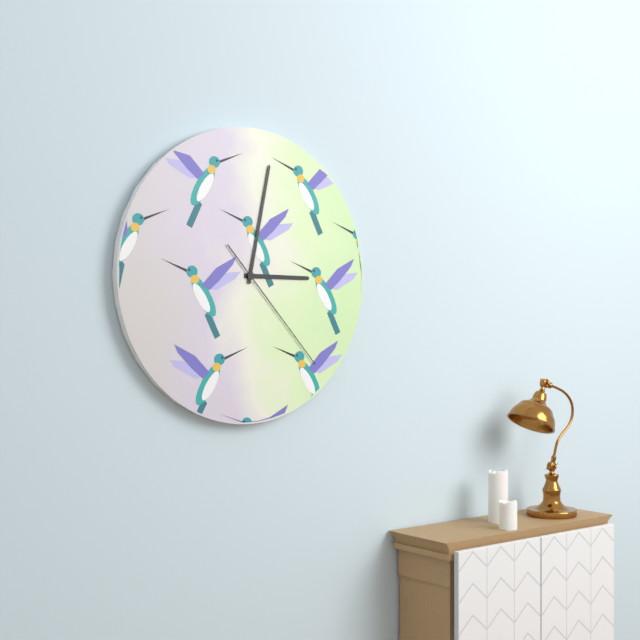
3:02:23
